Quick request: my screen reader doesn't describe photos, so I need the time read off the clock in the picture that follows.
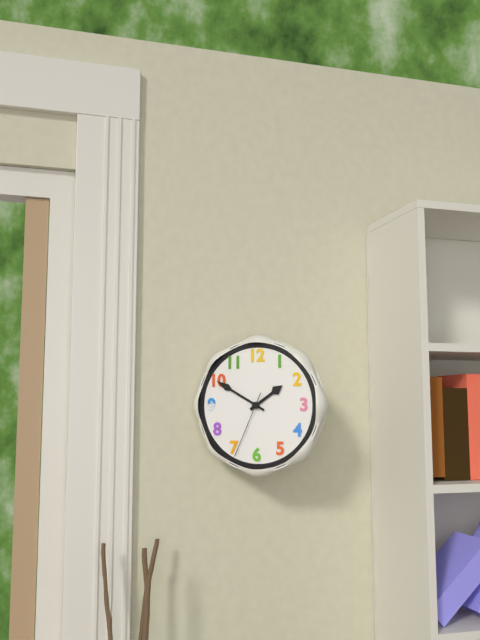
1:50:34
